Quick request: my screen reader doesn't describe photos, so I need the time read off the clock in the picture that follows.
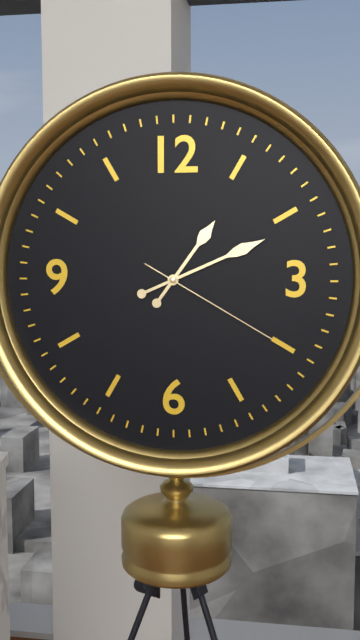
1:11:20
